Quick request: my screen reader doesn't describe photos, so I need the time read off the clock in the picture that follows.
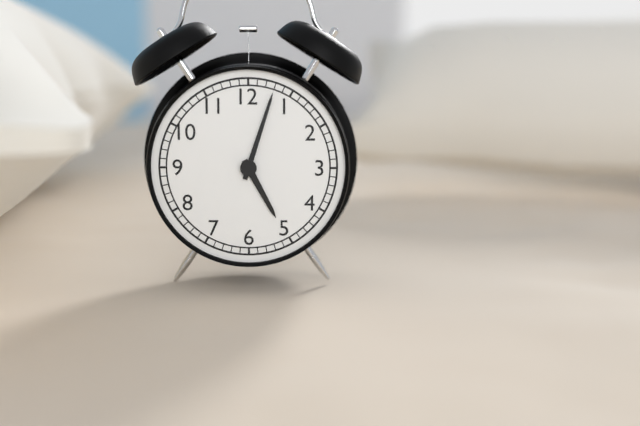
5:03
